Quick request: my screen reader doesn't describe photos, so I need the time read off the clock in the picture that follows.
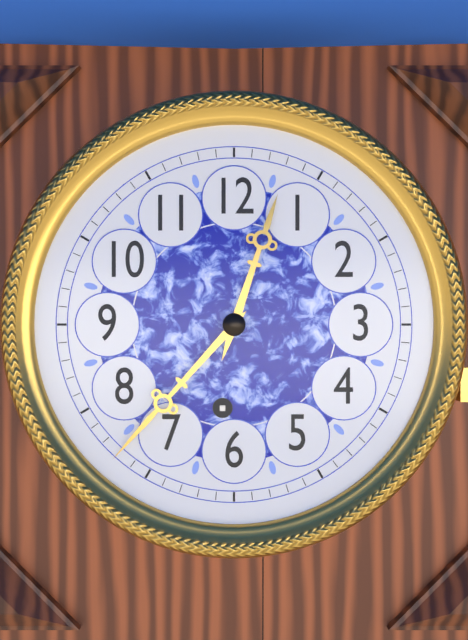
12:37
